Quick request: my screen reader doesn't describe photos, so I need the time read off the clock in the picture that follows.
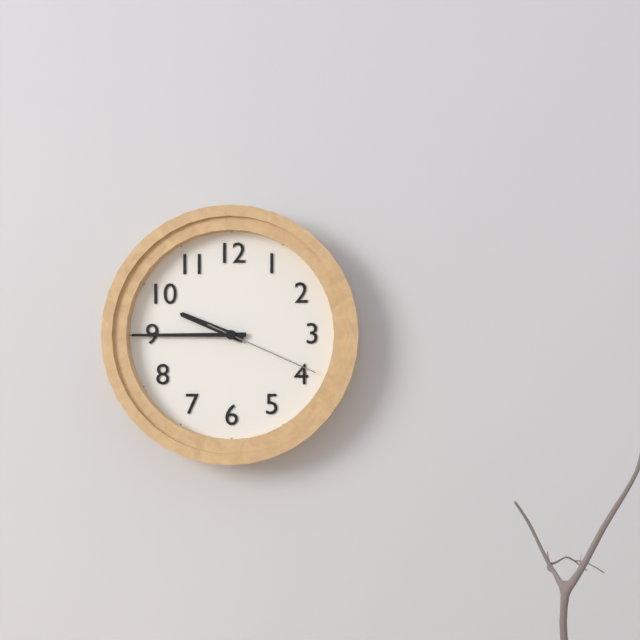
9:45:19
